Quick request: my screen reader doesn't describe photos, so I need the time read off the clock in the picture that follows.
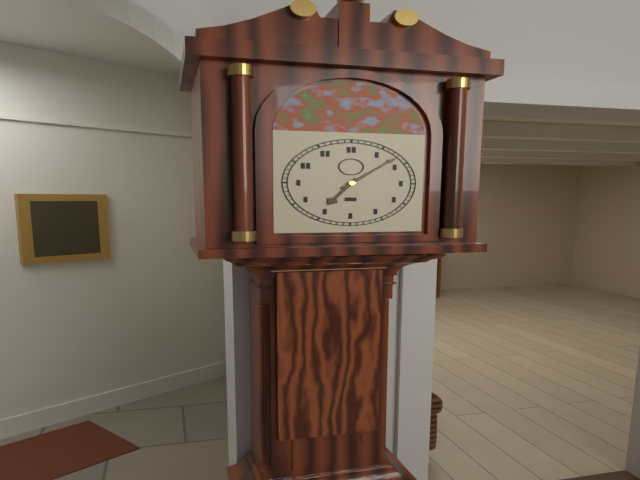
7:08
